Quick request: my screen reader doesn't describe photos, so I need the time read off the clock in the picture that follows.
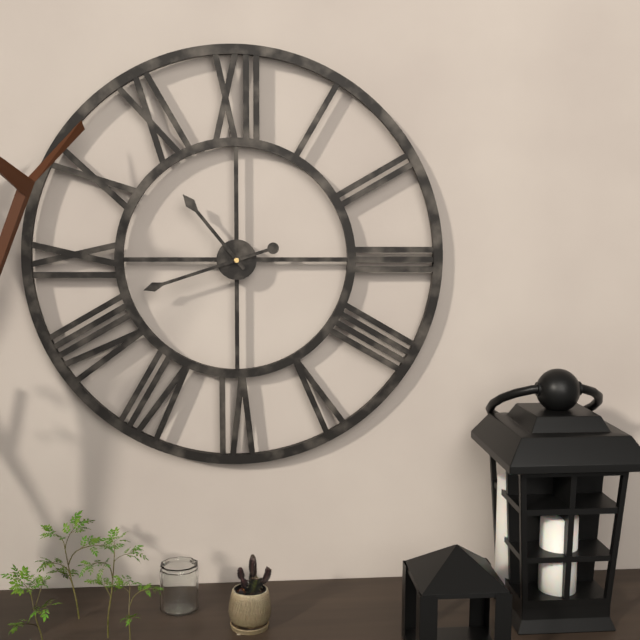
10:42
